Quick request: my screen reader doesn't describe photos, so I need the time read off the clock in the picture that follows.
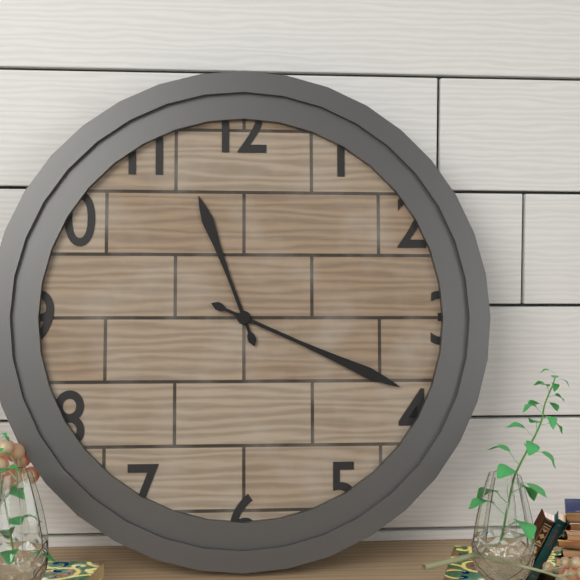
11:19
